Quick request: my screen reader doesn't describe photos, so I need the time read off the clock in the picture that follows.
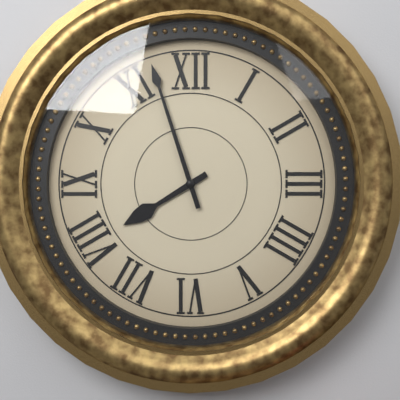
7:57
